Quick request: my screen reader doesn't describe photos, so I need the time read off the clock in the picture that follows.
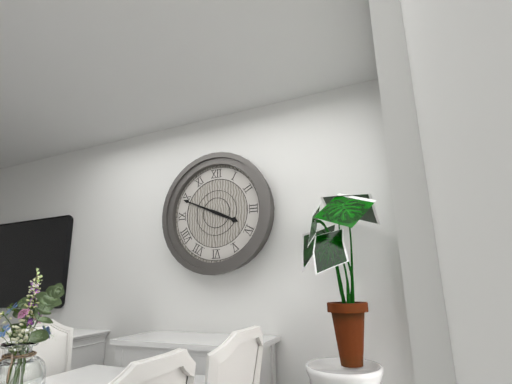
3:49
